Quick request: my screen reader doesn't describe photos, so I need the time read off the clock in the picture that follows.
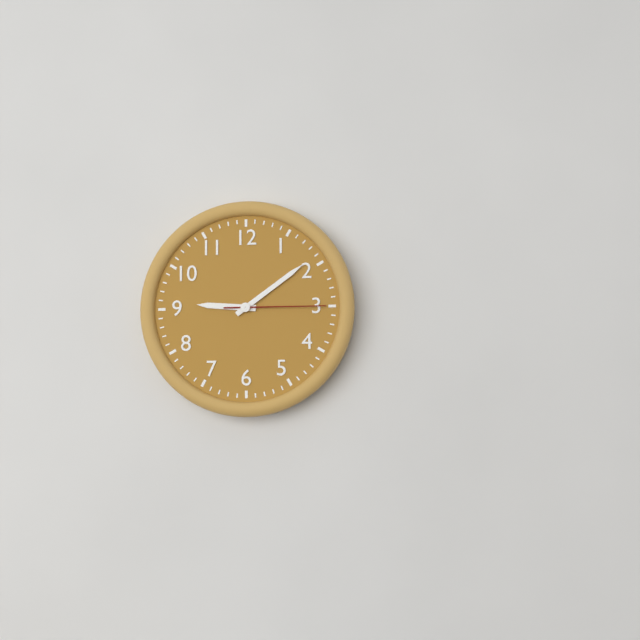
9:09:15
